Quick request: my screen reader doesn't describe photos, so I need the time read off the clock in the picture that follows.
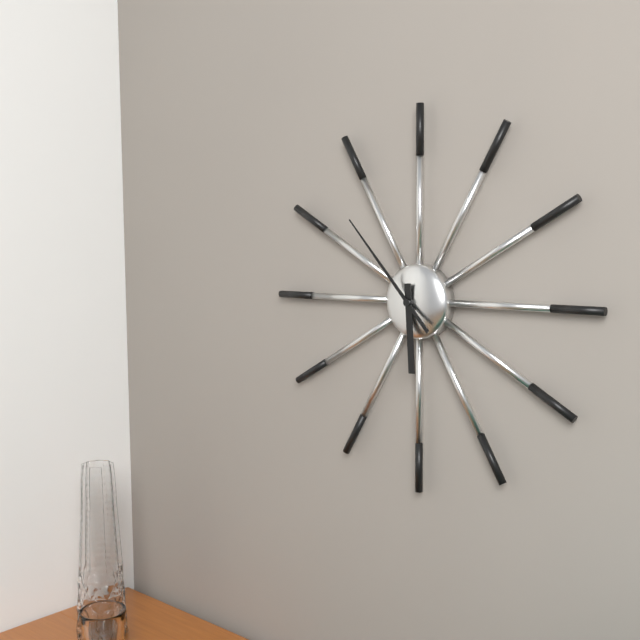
5:53
